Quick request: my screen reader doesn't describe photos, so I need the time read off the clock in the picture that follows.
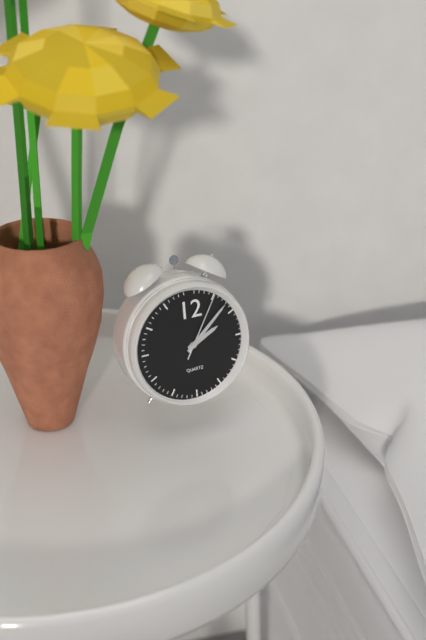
2:08:05
